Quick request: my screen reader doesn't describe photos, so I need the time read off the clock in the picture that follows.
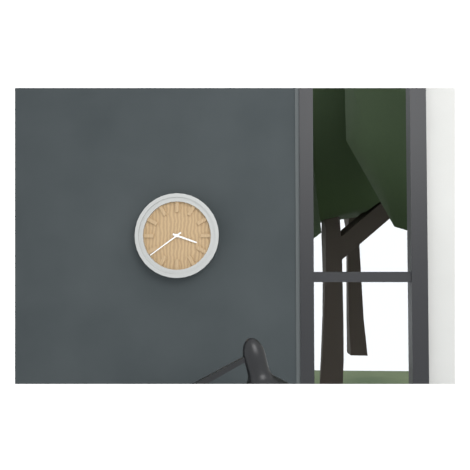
3:39
